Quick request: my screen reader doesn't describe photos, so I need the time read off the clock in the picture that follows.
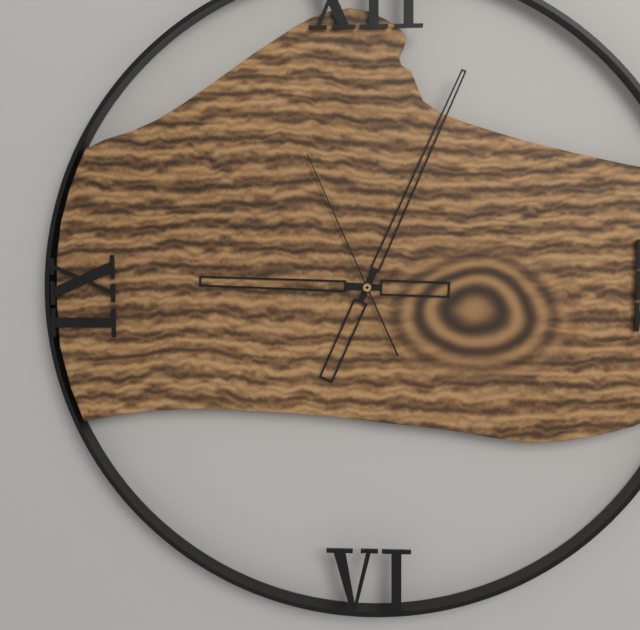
9:04:56
